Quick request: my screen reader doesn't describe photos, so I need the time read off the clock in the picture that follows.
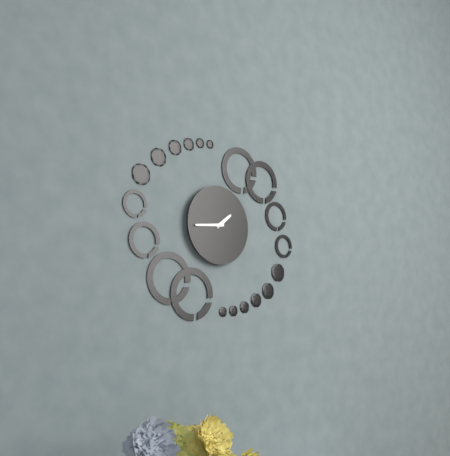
1:44
